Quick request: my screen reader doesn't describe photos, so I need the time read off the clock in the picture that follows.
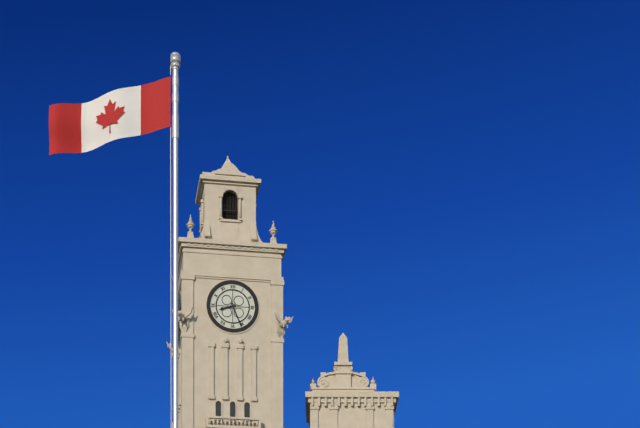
8:26
